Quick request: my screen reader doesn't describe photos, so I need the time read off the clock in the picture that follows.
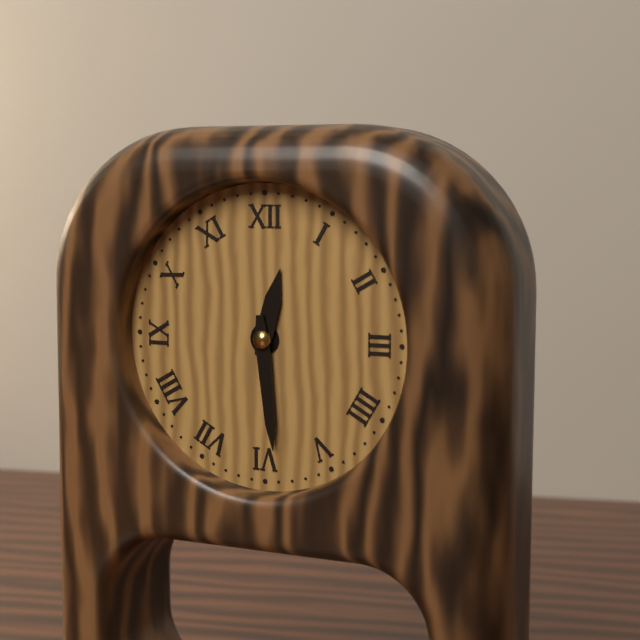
12:29
